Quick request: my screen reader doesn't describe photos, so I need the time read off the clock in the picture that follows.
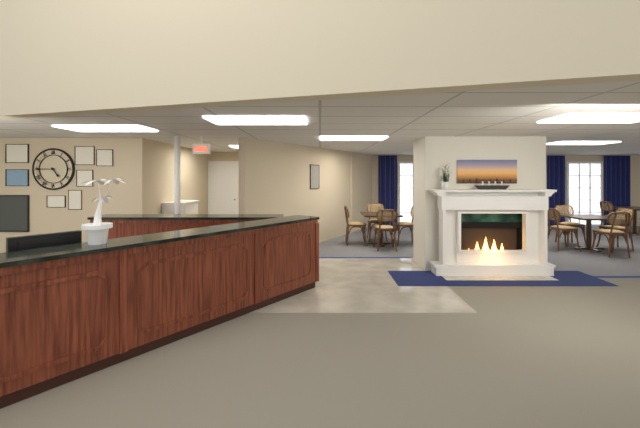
4:45
